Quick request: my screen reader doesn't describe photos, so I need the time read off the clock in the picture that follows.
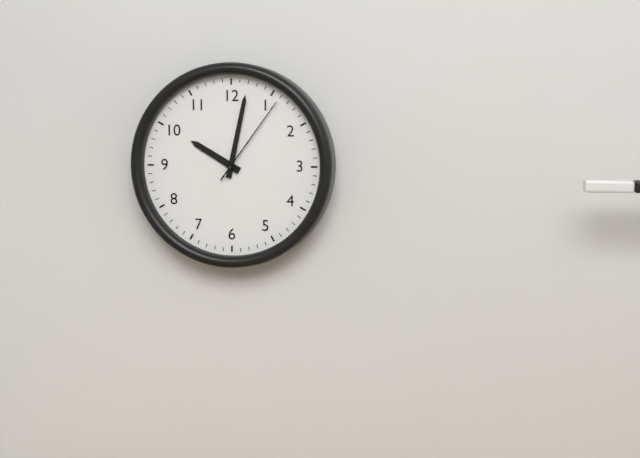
10:02:06
